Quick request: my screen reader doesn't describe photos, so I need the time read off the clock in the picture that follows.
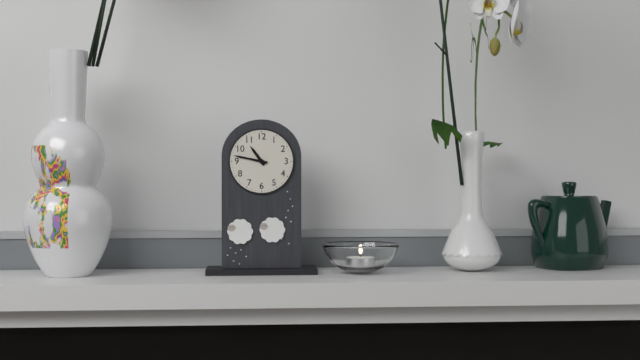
10:47
